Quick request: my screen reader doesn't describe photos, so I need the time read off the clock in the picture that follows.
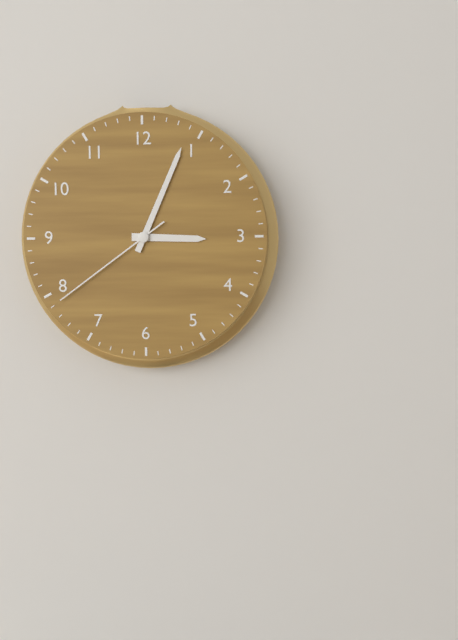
3:04:39
